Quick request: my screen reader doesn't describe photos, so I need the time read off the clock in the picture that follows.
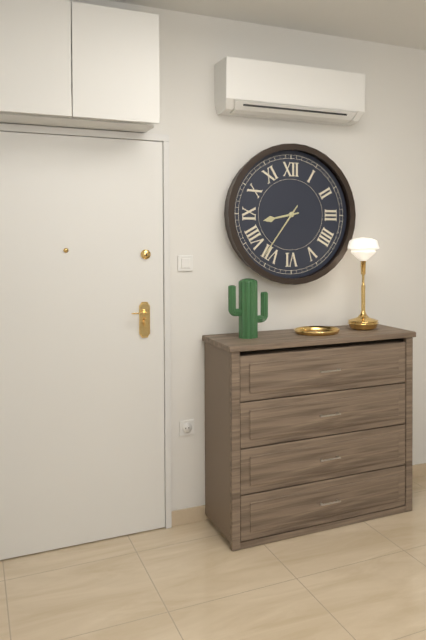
8:36
